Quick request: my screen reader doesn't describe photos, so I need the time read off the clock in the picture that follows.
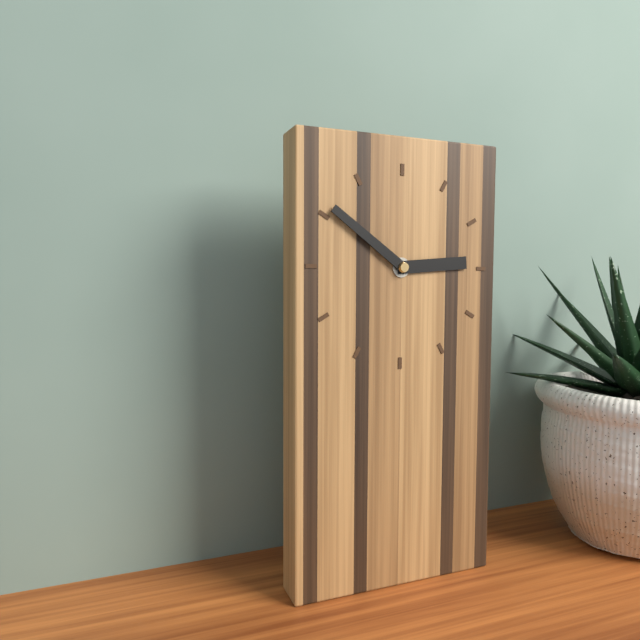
2:51
